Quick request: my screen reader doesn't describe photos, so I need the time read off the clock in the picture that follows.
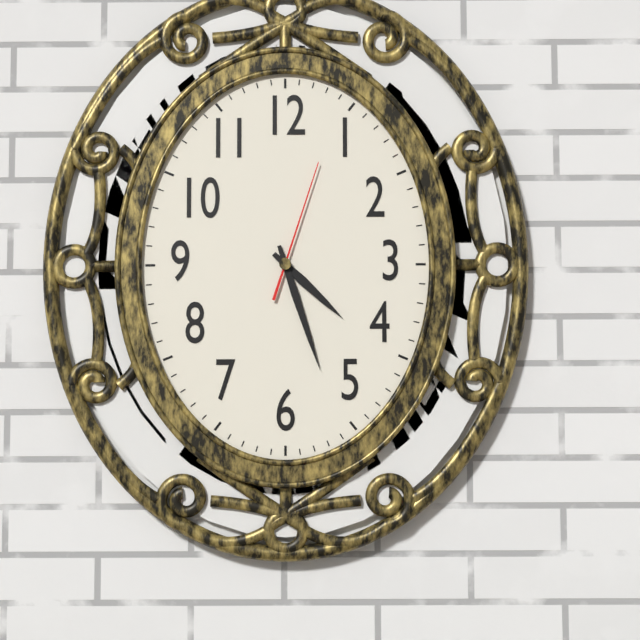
4:27:03
